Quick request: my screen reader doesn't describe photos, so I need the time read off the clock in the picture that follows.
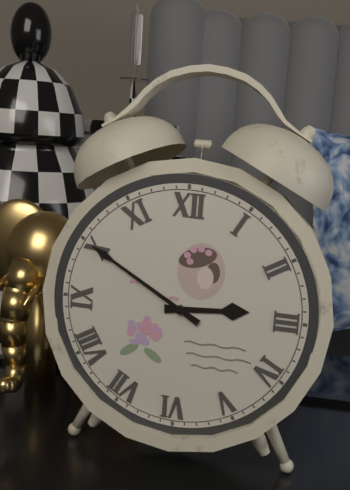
2:50
